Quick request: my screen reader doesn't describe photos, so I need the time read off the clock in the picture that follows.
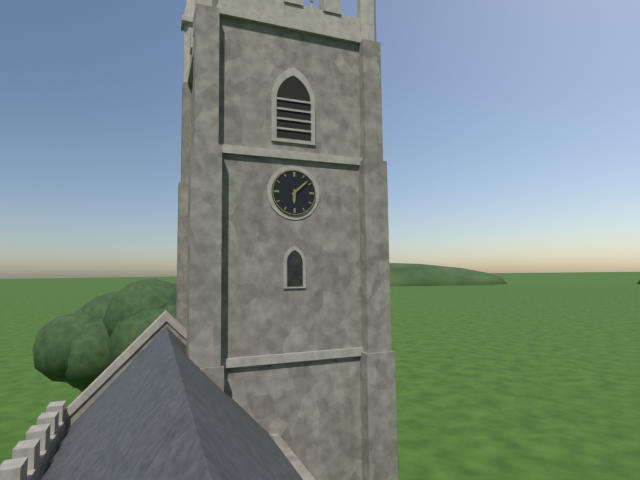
6:08
